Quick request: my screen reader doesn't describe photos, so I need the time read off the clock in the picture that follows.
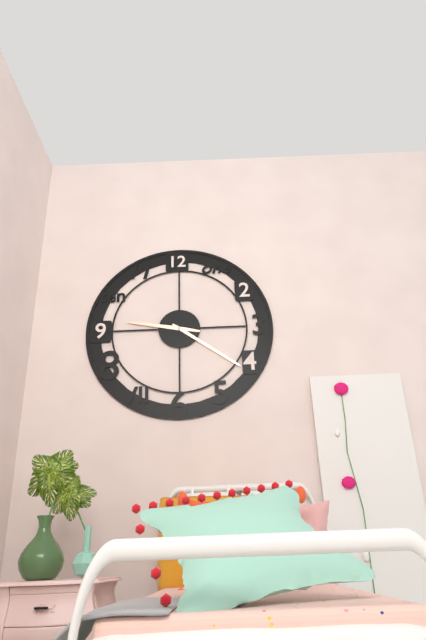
9:21
